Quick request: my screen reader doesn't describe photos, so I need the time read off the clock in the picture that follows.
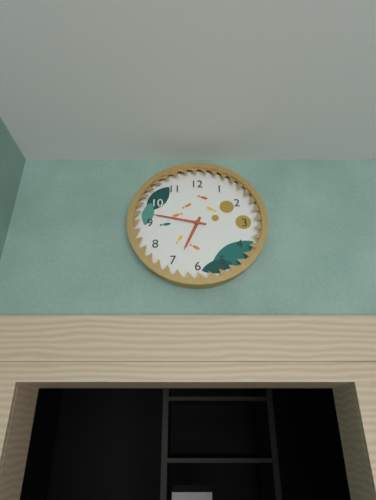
6:47
